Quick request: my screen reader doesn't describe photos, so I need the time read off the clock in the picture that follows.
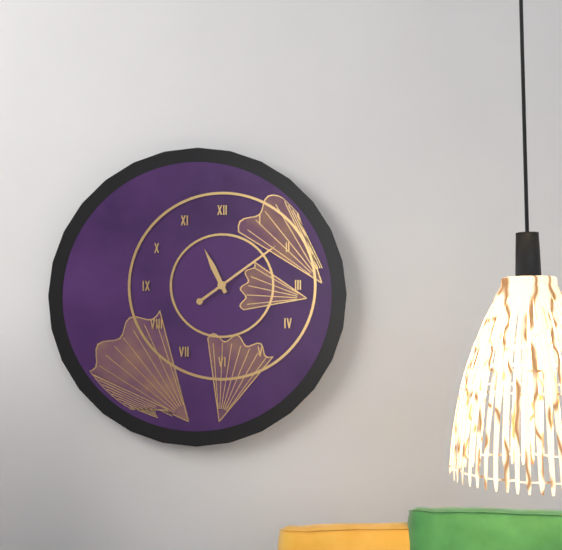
11:09
